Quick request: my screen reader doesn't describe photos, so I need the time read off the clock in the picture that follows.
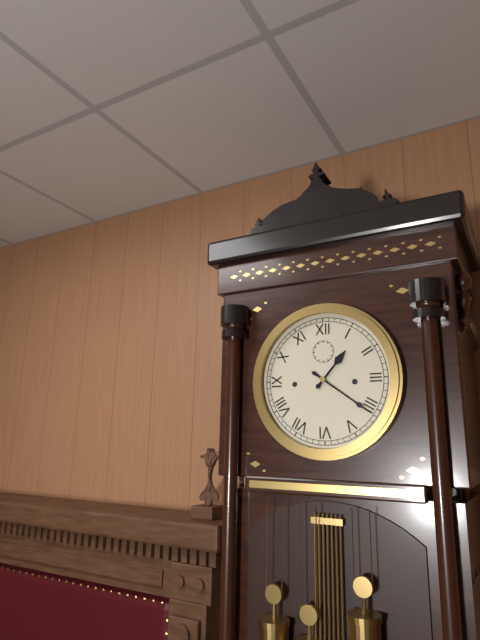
1:21
